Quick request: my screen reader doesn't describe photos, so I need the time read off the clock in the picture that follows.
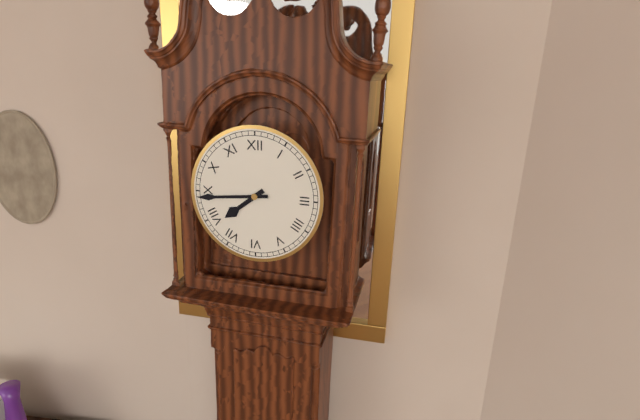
7:44
